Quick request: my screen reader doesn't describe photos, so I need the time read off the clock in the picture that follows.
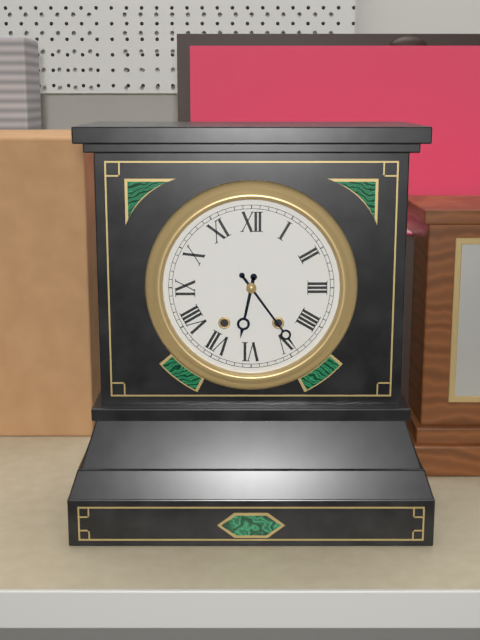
6:24
